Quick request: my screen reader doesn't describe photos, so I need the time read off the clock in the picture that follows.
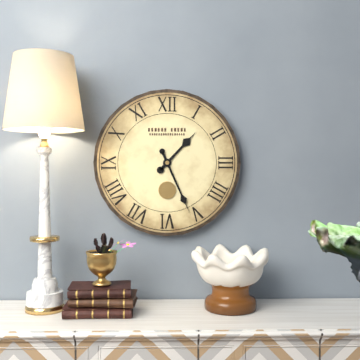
1:26
